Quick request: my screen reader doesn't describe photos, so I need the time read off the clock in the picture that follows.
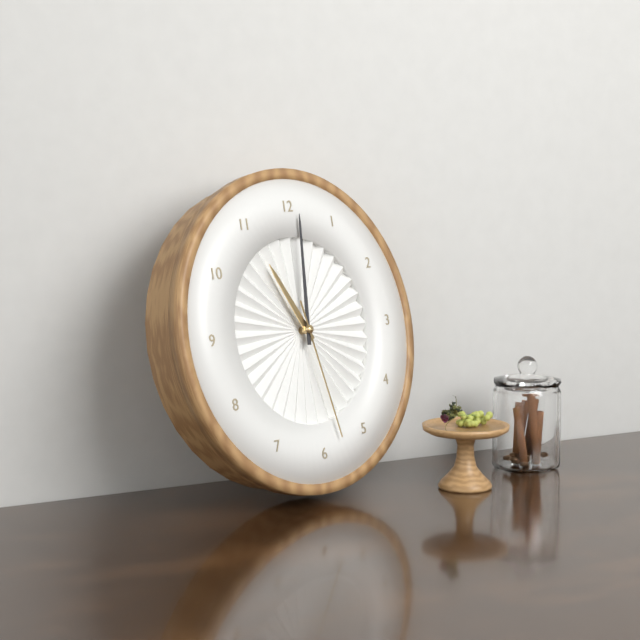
11:01:28
